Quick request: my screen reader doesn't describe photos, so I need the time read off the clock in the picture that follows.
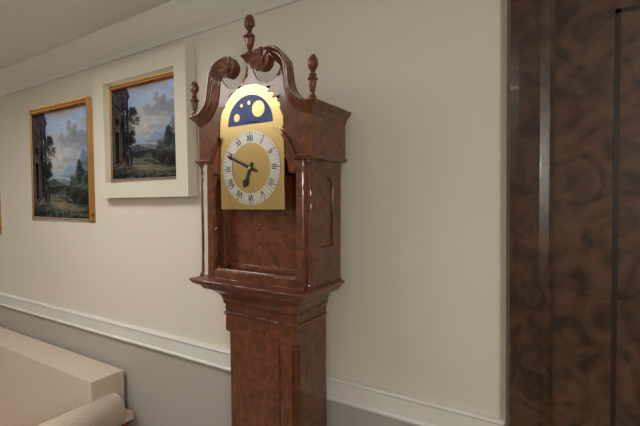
6:49
